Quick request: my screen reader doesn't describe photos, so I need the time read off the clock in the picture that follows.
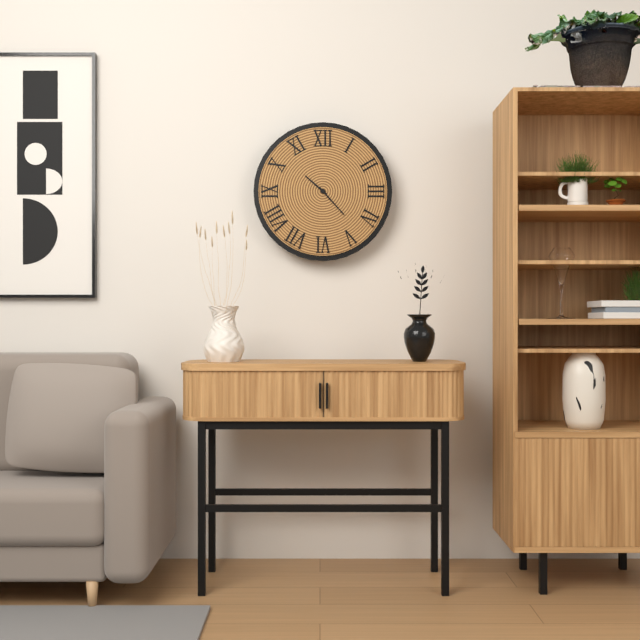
10:23
